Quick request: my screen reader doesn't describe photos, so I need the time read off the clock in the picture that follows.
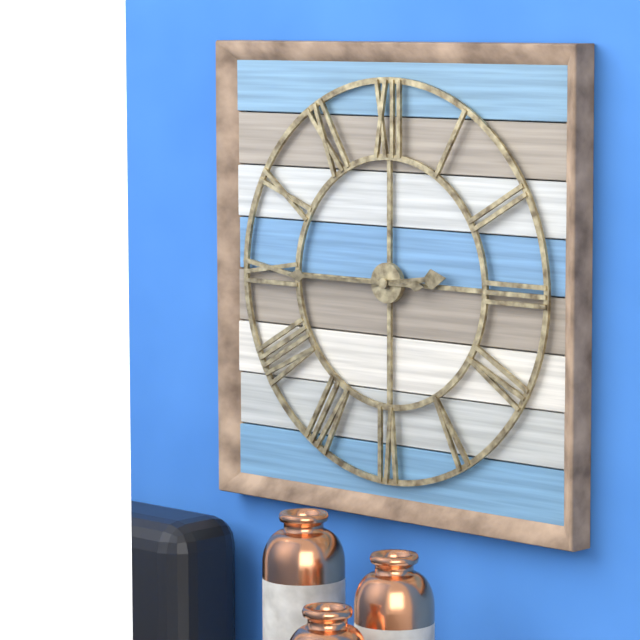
2:45
